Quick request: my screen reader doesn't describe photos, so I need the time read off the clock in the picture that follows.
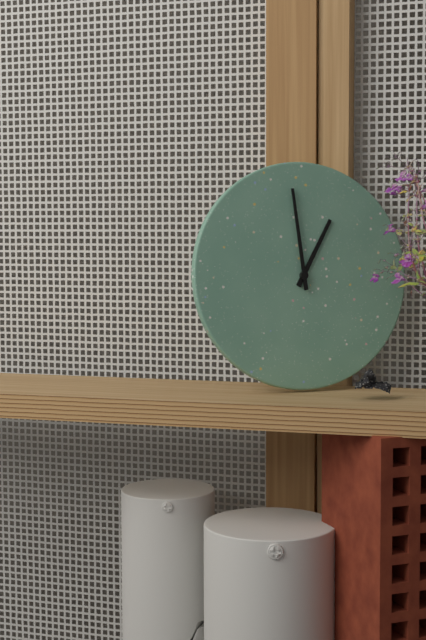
12:59
